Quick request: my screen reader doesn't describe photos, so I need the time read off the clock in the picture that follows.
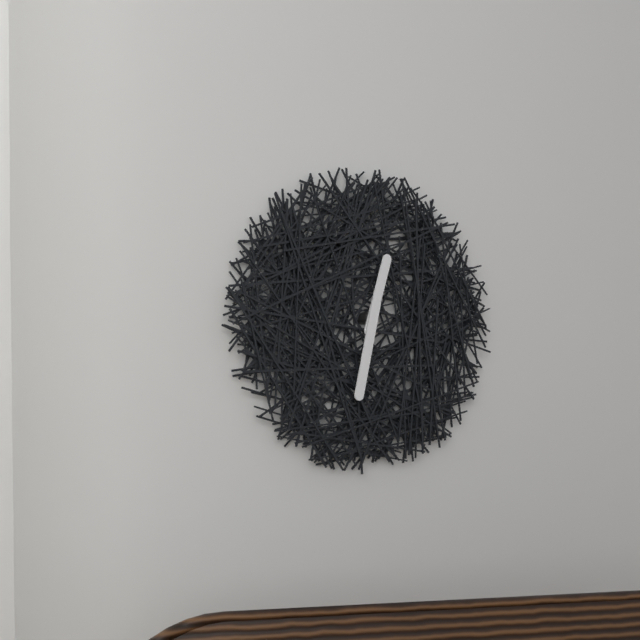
12:32
